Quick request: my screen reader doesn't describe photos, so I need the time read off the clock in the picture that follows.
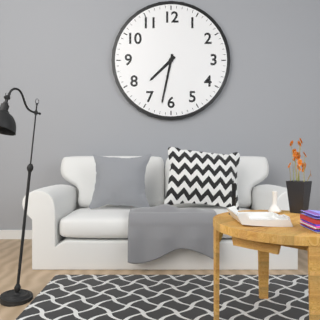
7:32
